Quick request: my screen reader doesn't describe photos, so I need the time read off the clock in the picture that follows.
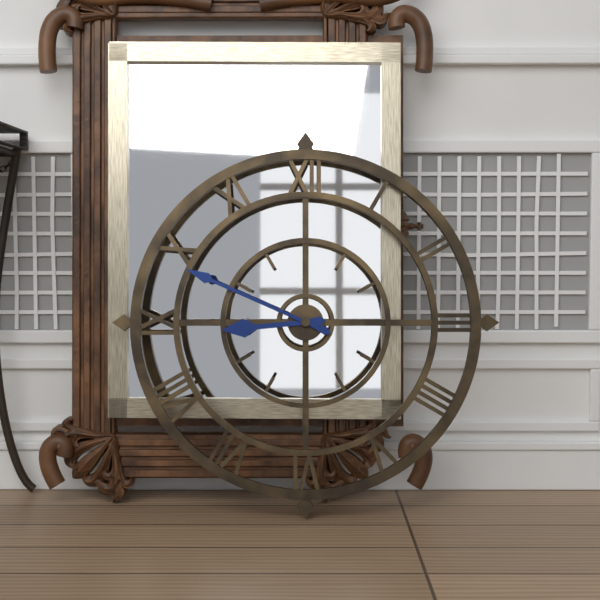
8:49
